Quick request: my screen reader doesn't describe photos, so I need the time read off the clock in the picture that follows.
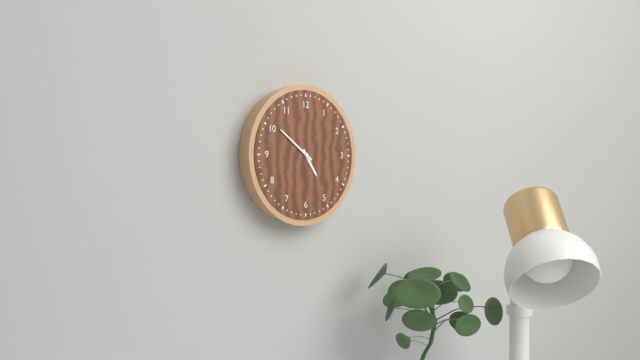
4:51
